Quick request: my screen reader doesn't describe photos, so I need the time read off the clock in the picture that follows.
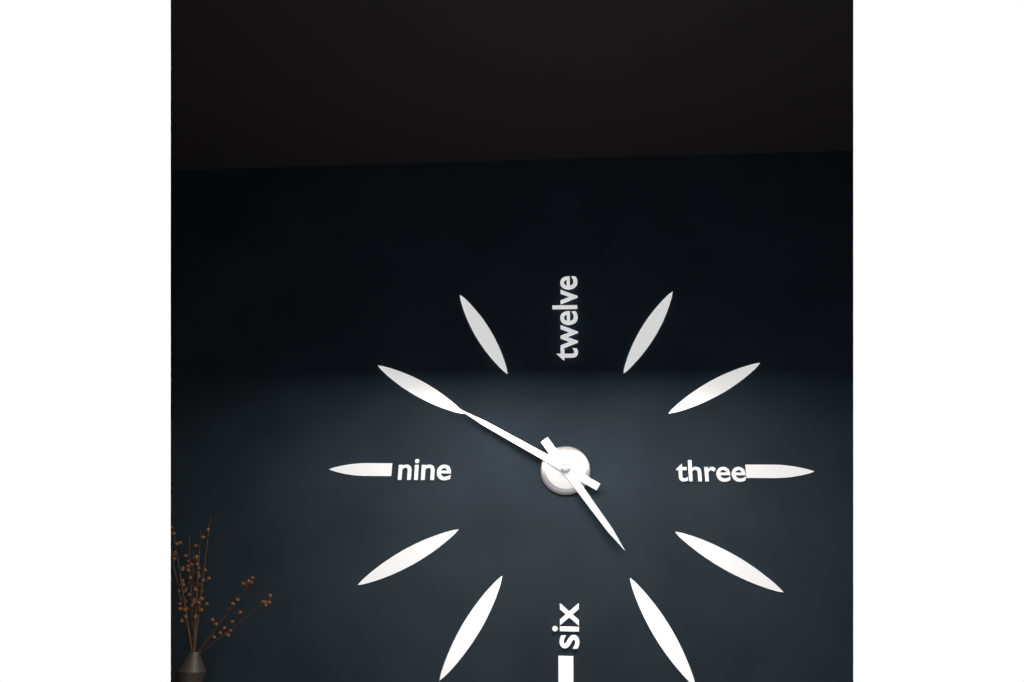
4:50
